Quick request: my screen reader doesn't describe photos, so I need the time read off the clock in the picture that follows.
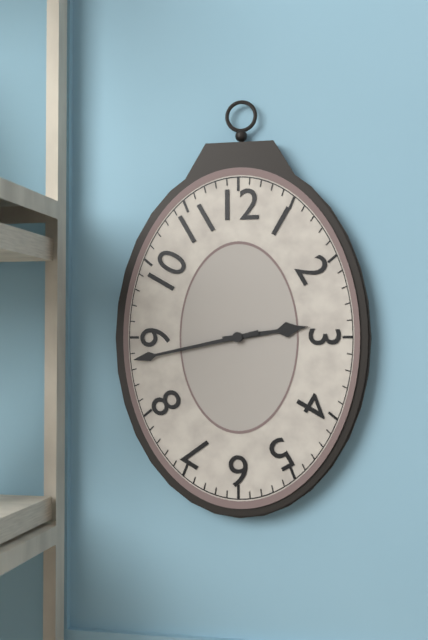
2:43
